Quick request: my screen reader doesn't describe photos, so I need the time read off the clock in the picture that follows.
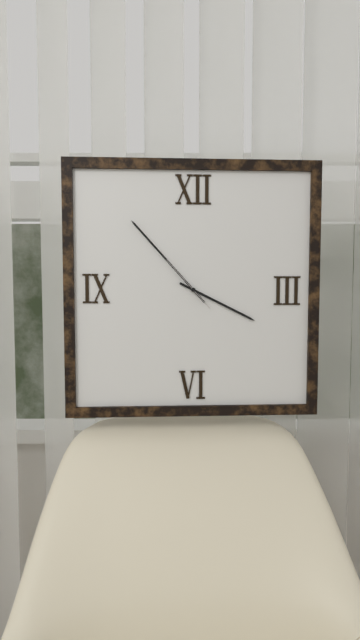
3:53:53
